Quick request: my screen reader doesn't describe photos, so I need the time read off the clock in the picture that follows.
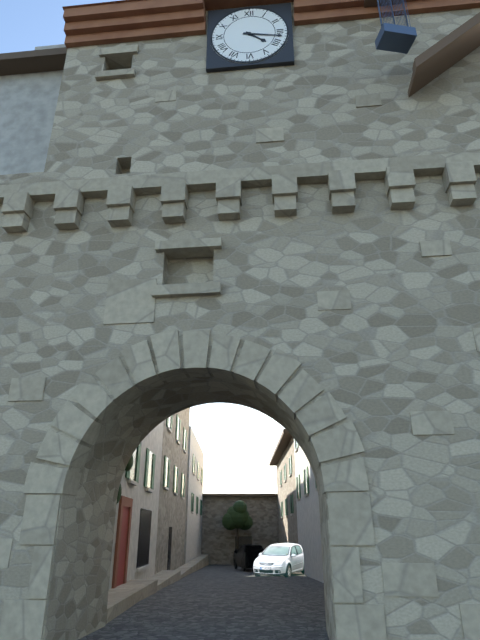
4:17
